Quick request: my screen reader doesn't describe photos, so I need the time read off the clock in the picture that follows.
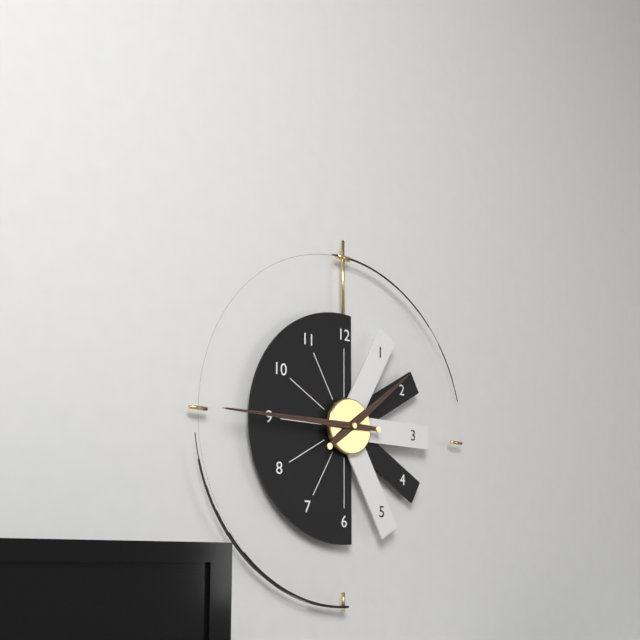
1:45
